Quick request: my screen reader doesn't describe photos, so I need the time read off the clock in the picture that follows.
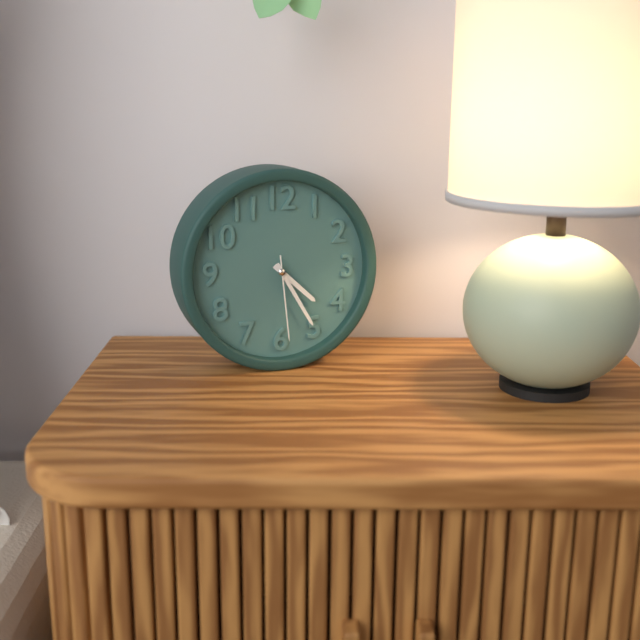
4:25:29
